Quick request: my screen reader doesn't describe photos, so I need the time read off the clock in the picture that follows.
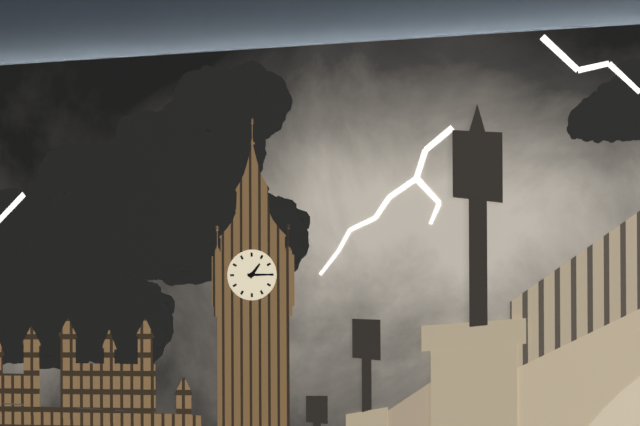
1:15
